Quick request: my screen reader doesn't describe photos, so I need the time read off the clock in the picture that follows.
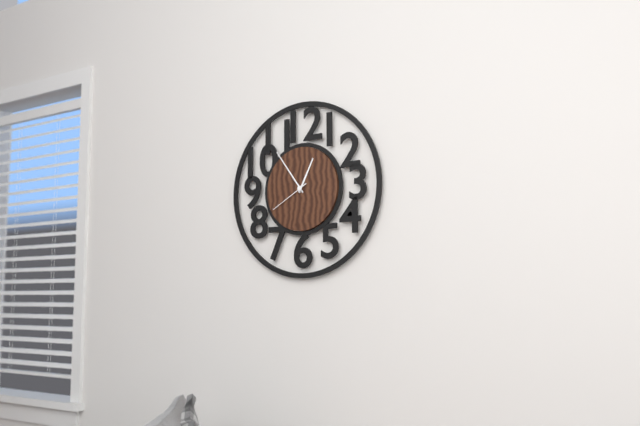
12:54
